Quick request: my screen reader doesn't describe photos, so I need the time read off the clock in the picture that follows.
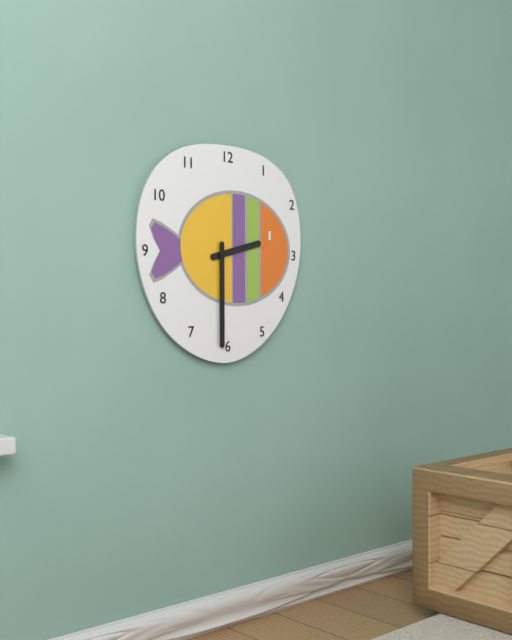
2:30
